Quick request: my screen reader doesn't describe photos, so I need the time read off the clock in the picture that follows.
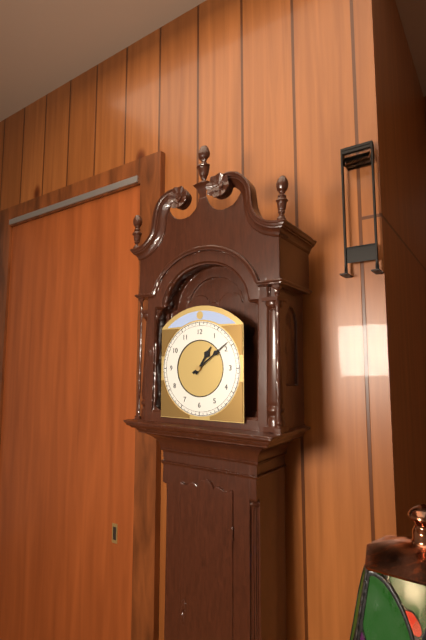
1:09
